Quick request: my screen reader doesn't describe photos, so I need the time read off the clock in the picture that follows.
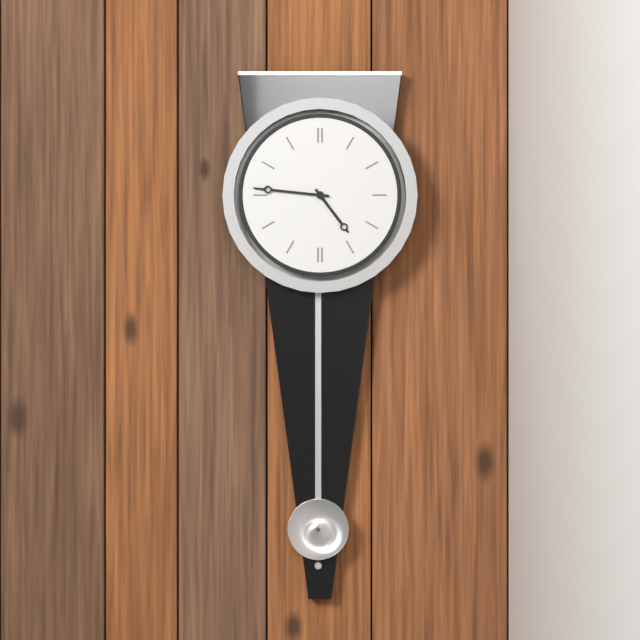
4:46
